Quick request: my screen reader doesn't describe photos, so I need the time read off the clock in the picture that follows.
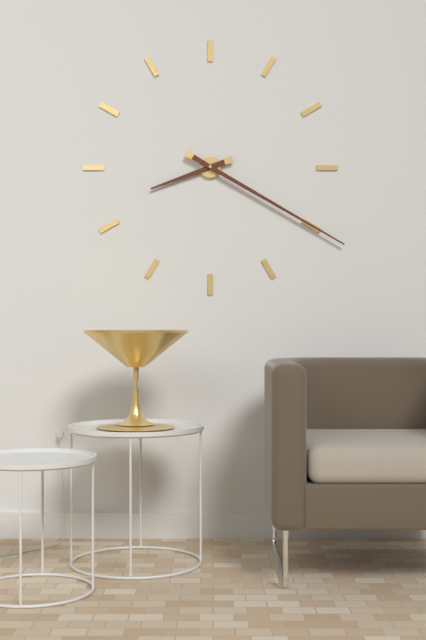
8:20
